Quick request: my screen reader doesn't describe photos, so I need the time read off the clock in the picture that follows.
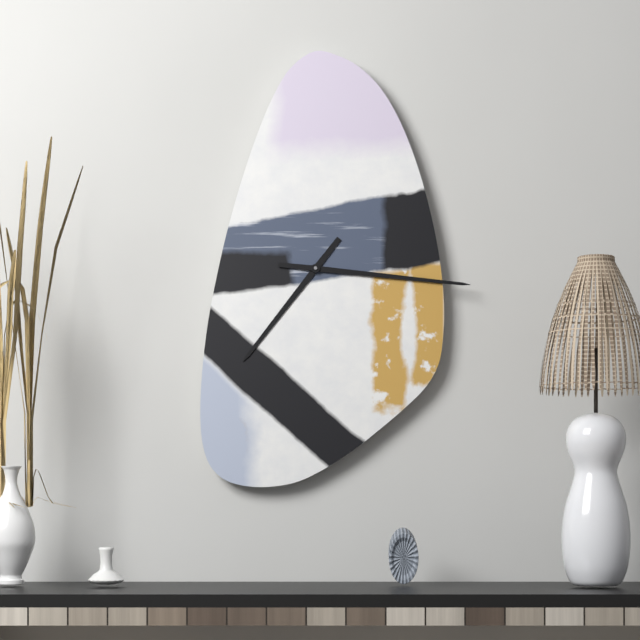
7:16
